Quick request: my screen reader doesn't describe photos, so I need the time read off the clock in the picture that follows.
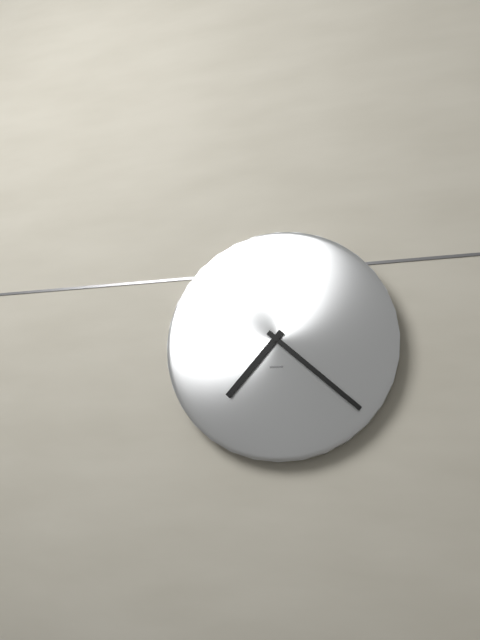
7:22
